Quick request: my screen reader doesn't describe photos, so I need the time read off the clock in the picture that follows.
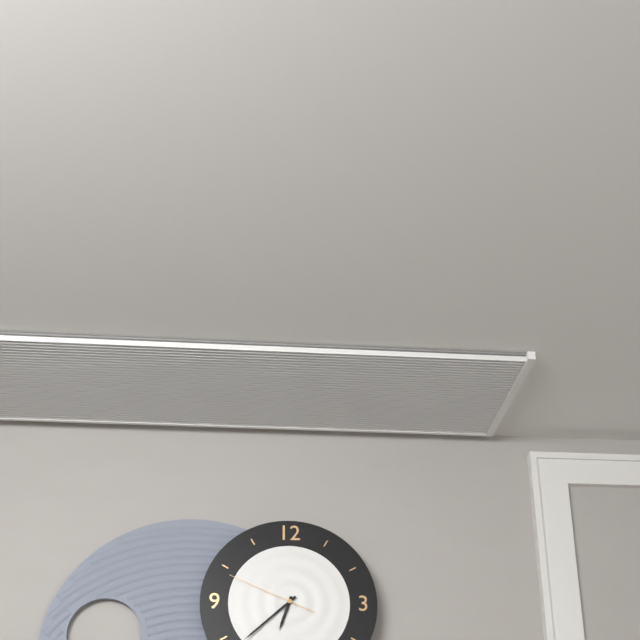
6:38:49
